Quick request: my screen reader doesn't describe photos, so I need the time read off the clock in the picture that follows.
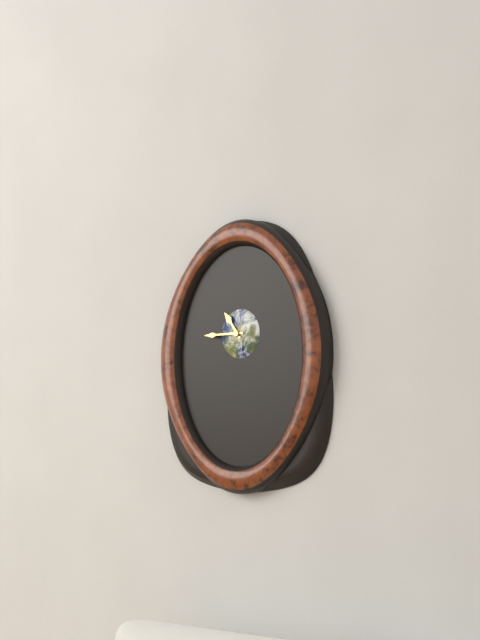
10:45
